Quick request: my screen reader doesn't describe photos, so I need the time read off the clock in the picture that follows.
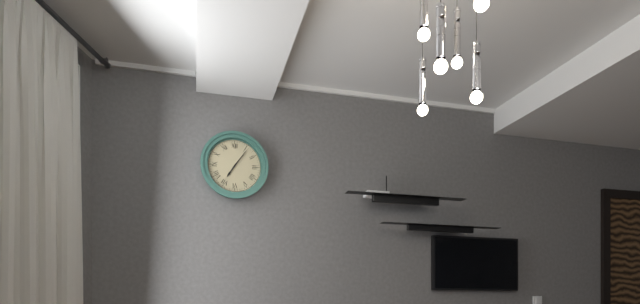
7:06
